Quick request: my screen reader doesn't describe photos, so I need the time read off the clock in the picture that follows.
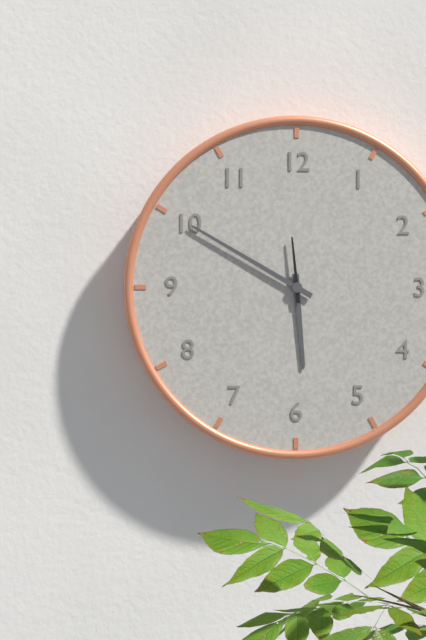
5:50:59
